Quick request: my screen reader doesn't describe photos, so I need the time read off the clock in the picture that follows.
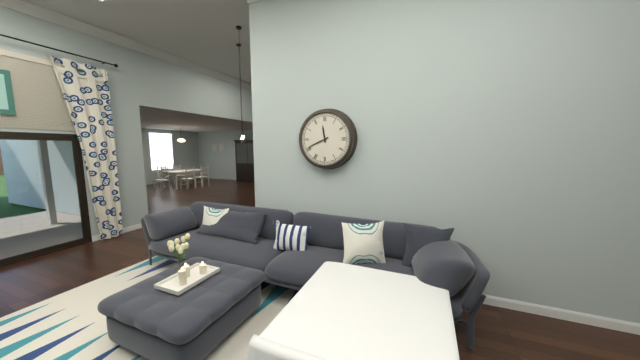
11:41
